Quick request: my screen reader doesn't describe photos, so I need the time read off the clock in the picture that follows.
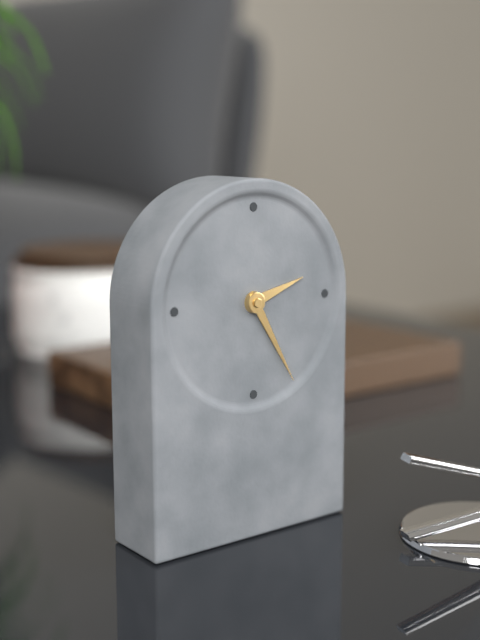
2:25
